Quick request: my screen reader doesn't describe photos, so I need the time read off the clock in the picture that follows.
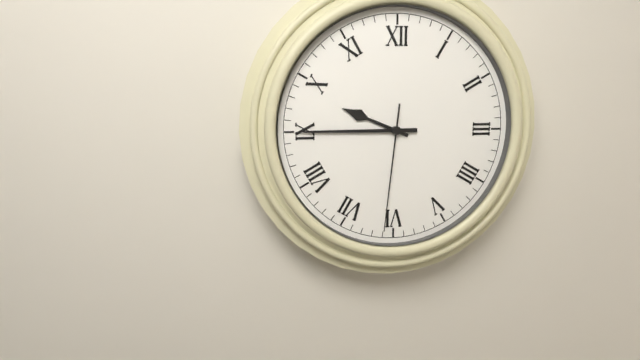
9:45:31
